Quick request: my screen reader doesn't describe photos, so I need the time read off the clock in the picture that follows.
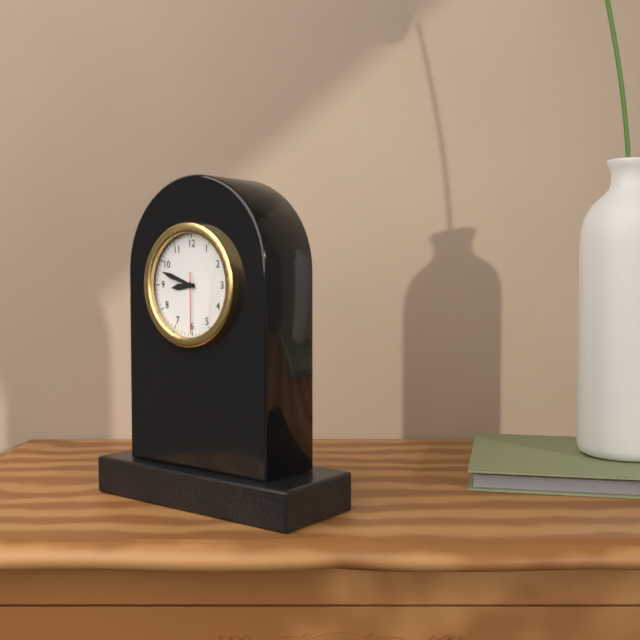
8:48:30
